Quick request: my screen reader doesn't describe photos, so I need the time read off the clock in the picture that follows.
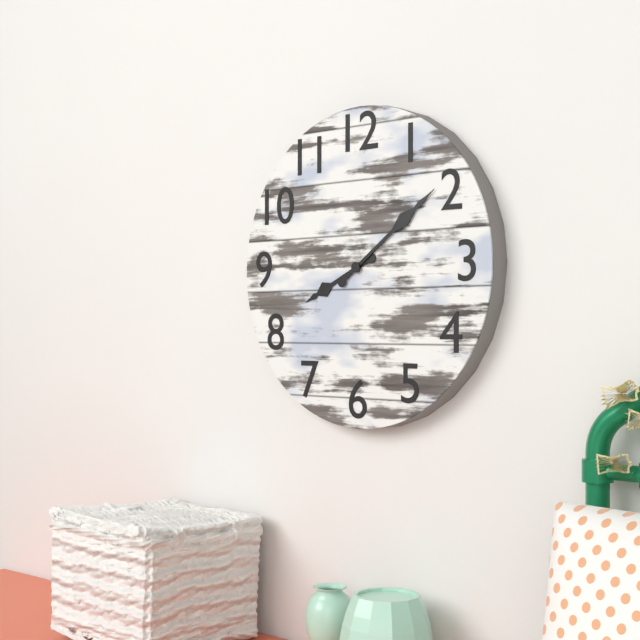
8:09
